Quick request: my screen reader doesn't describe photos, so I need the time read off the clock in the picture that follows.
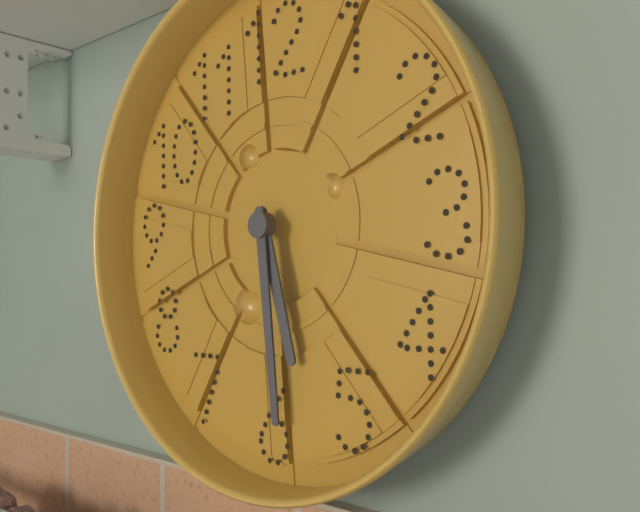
5:29
